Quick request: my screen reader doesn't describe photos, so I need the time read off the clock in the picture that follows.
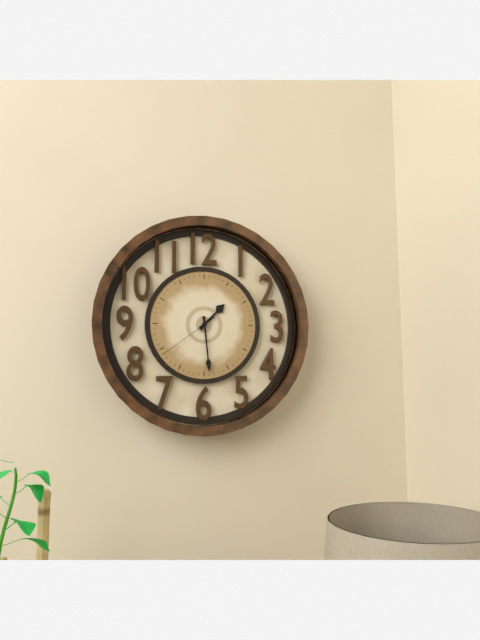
1:29:39
